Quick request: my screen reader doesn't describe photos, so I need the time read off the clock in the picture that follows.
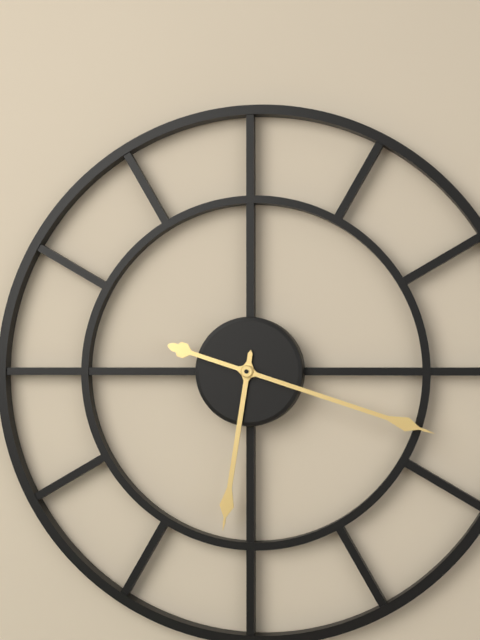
6:18
